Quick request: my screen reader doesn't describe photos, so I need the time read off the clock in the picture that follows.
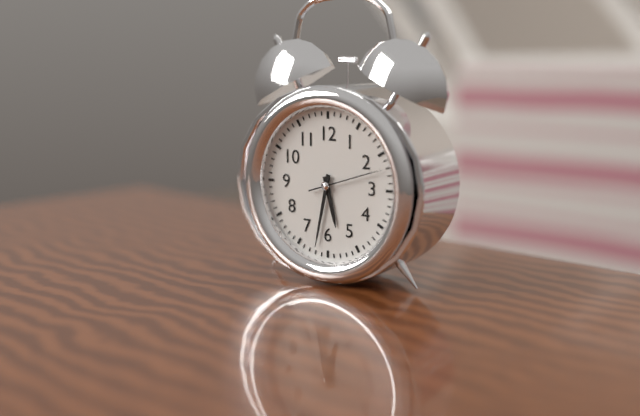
5:32:12
